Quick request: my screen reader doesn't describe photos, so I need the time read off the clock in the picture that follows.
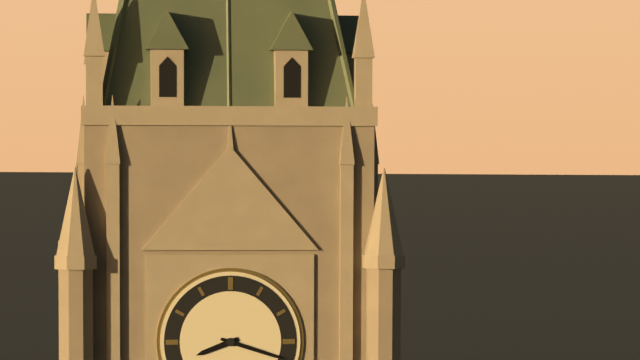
8:18
